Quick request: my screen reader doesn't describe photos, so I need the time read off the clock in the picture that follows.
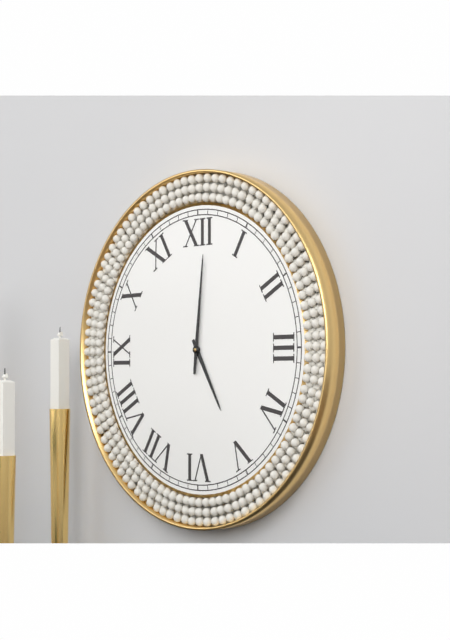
5:01
